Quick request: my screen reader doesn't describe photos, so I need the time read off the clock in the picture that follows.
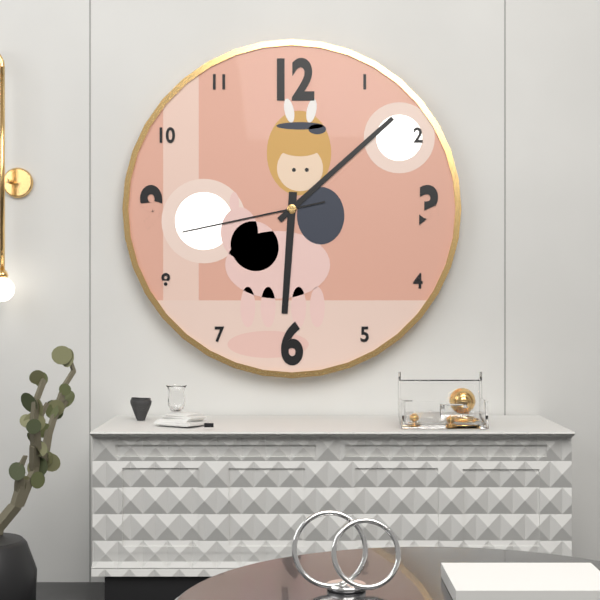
6:08:43
